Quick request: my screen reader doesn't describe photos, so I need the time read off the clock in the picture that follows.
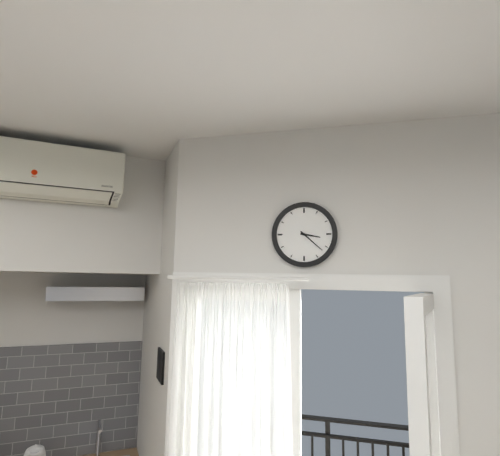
3:22
